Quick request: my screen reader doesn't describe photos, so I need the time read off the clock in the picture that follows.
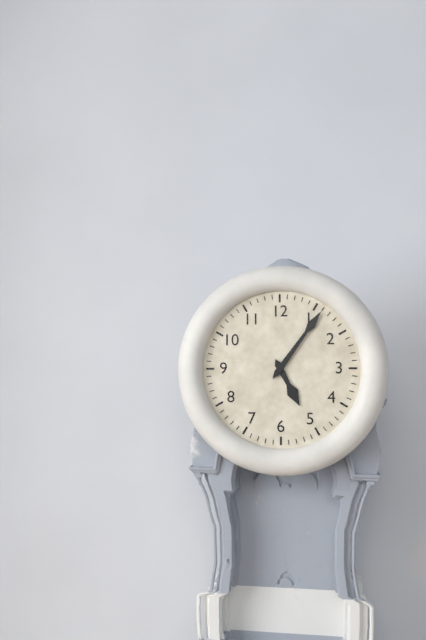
5:06
